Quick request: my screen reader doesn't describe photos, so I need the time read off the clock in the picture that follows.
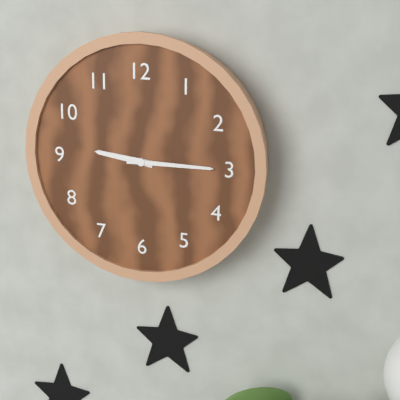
9:15
